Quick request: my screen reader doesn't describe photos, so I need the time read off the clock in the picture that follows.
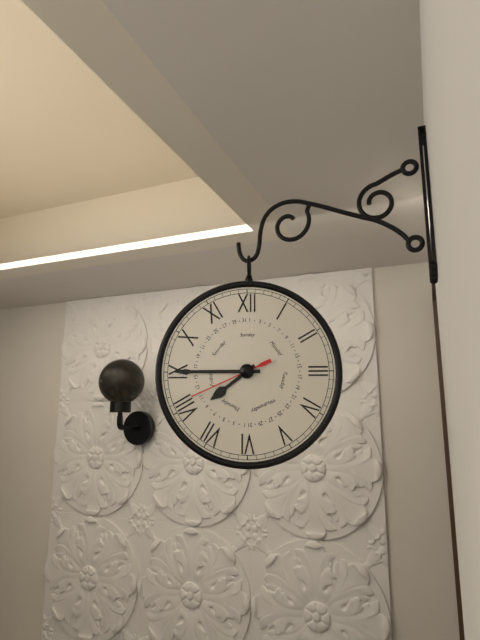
7:45:41
